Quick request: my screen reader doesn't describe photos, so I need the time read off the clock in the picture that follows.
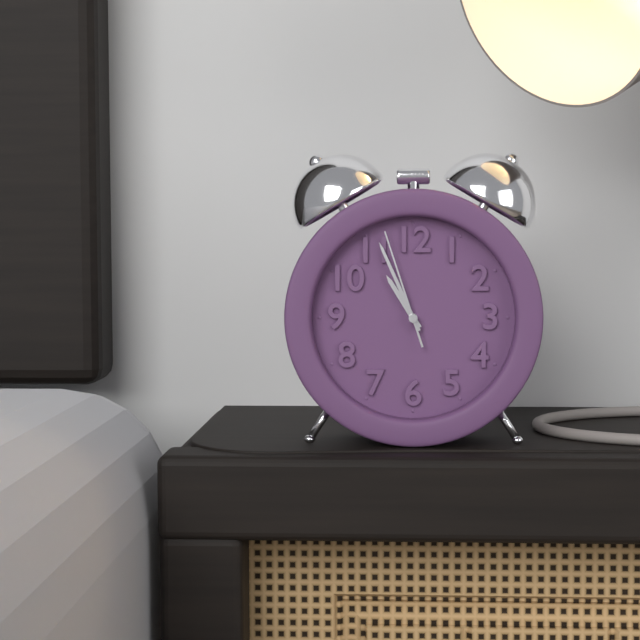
10:56:57
